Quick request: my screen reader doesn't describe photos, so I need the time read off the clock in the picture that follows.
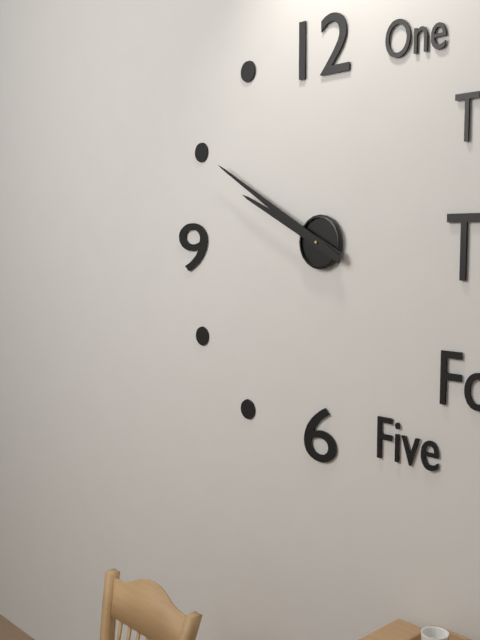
9:50
